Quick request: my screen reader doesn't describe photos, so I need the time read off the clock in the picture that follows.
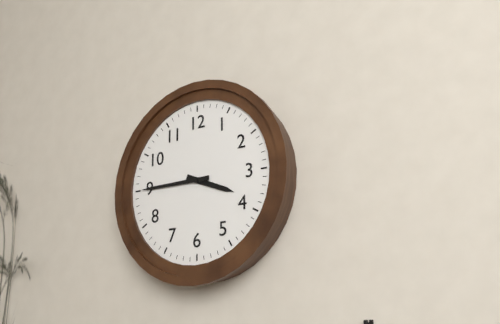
3:45
